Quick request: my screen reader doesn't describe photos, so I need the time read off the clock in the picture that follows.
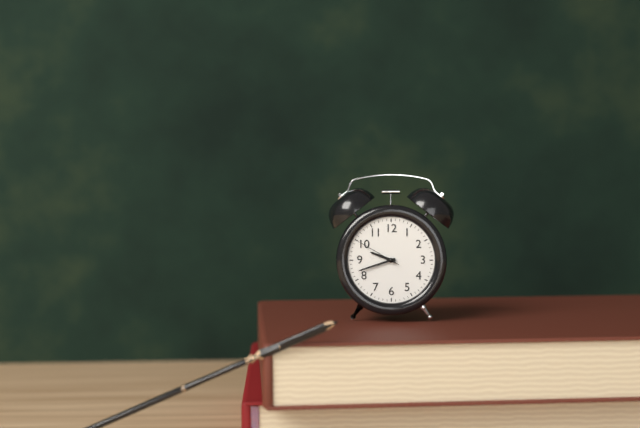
9:42
